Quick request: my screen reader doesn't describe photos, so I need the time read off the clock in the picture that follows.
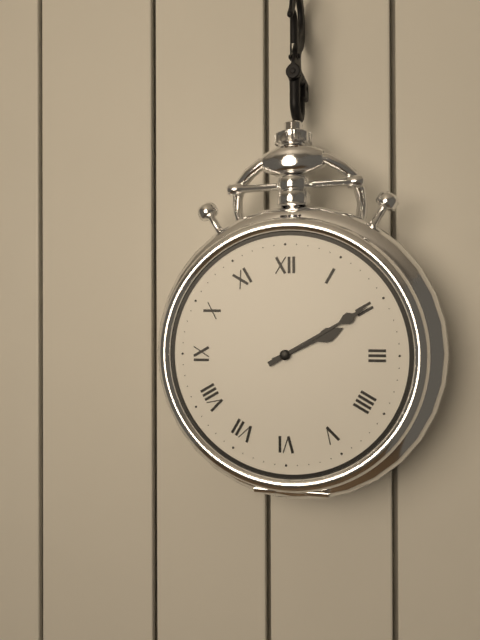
2:10
